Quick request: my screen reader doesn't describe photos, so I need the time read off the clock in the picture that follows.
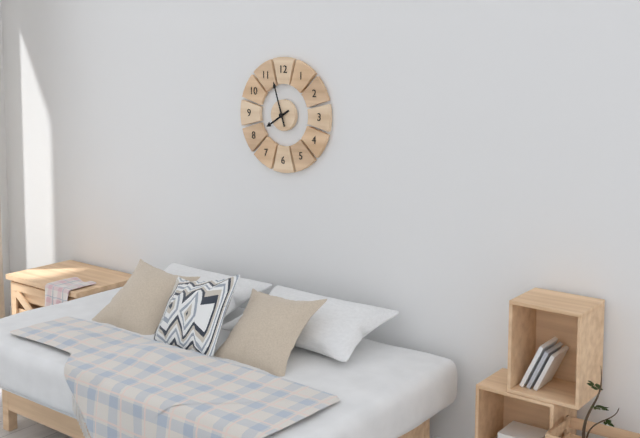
7:57
